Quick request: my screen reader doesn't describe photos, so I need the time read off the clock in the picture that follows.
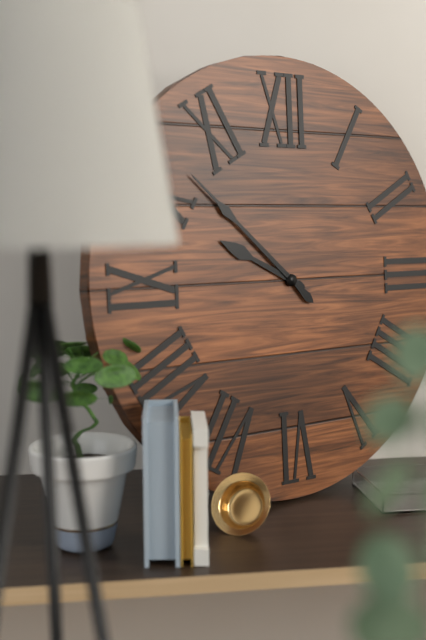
9:52
